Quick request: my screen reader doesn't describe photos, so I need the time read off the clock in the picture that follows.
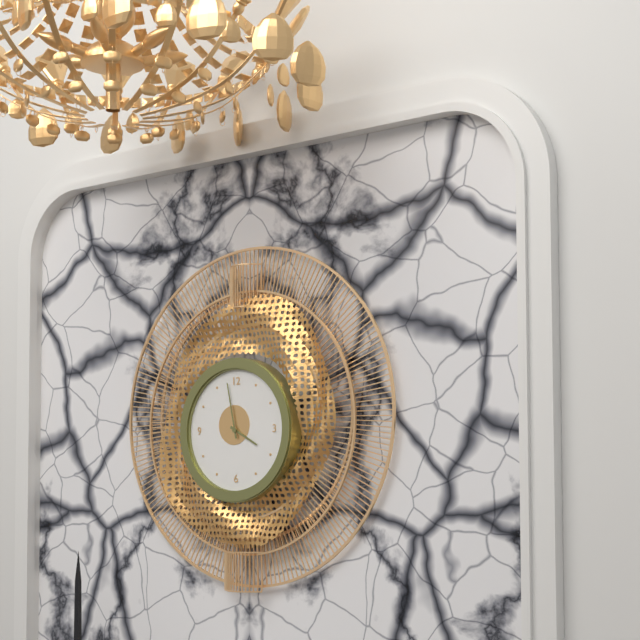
3:58
